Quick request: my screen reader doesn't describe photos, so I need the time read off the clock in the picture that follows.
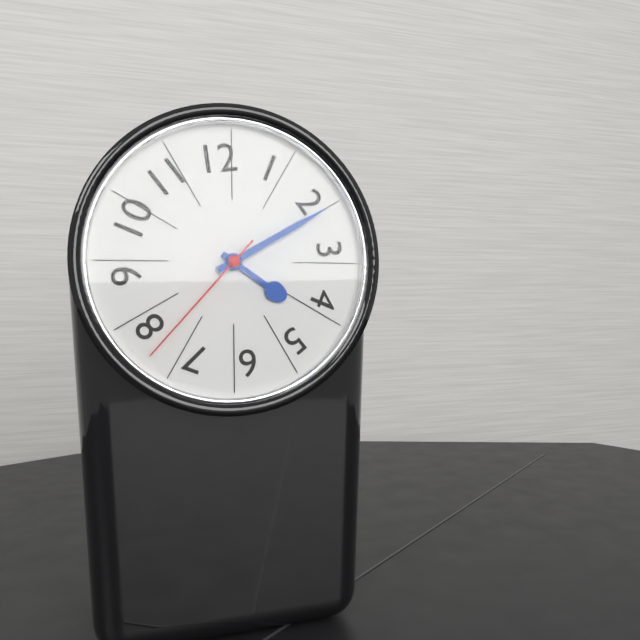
4:10:37
